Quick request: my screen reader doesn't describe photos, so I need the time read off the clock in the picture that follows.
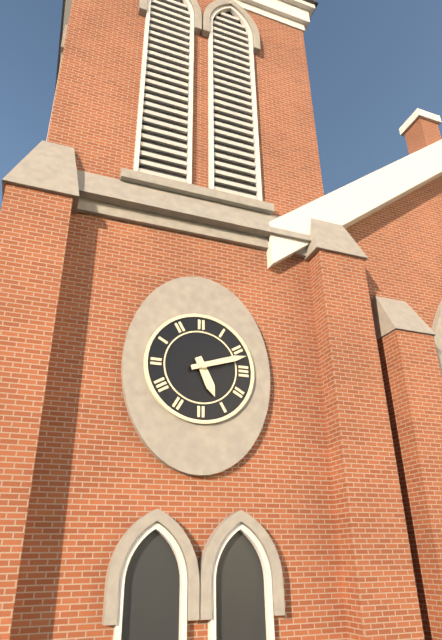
5:12
